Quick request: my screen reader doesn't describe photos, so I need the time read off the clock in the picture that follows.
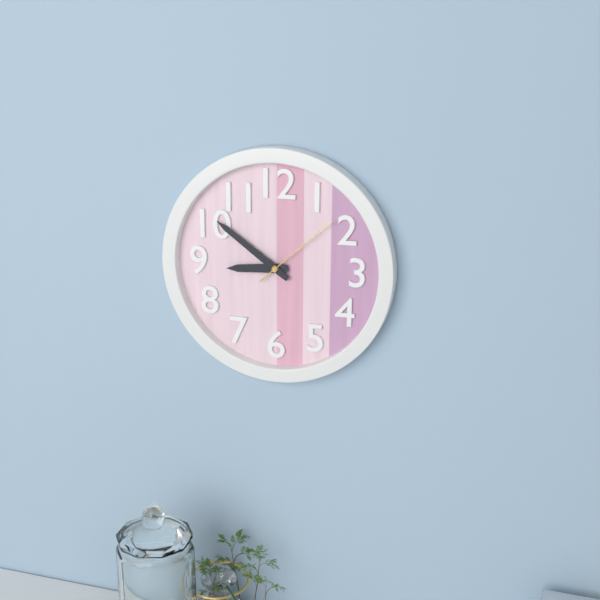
8:51:08
